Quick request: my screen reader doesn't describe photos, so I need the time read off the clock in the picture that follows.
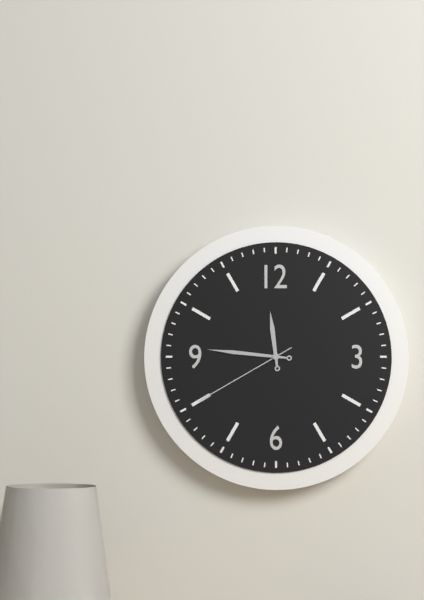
11:46:40
